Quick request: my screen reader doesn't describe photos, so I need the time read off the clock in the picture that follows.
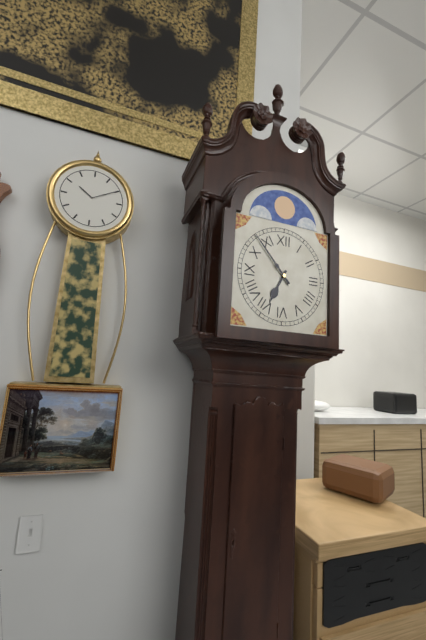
6:53
